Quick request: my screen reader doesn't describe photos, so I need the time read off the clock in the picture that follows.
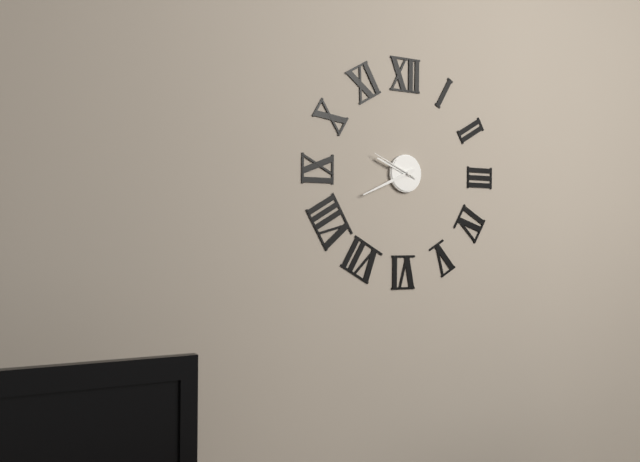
9:41
